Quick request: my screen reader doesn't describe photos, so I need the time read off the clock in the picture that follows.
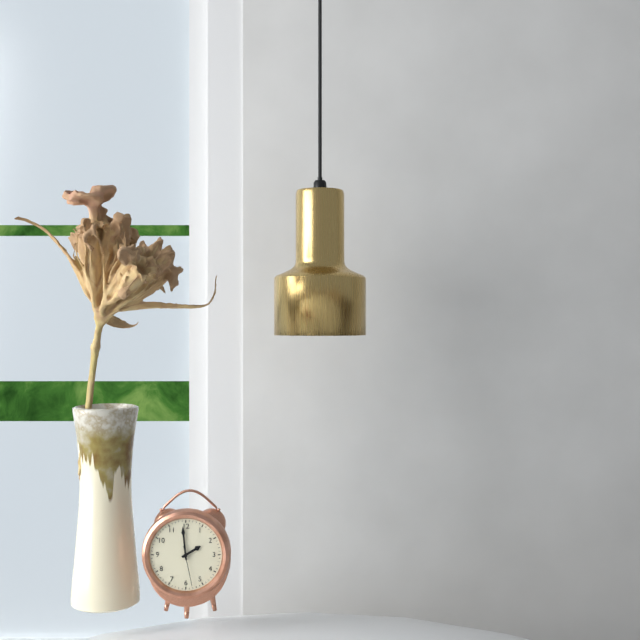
1:59
